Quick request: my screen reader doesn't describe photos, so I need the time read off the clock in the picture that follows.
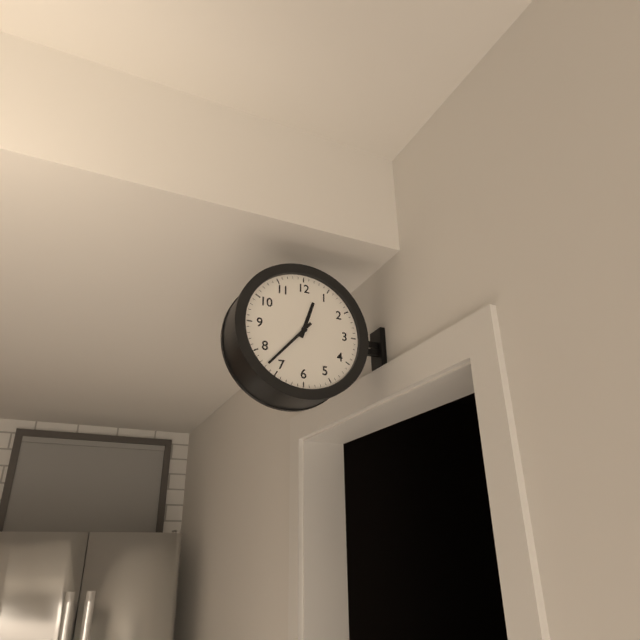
12:37
